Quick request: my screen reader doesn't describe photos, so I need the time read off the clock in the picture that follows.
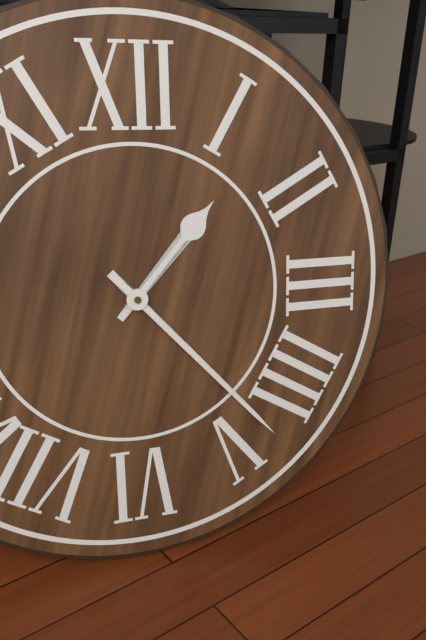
1:23
